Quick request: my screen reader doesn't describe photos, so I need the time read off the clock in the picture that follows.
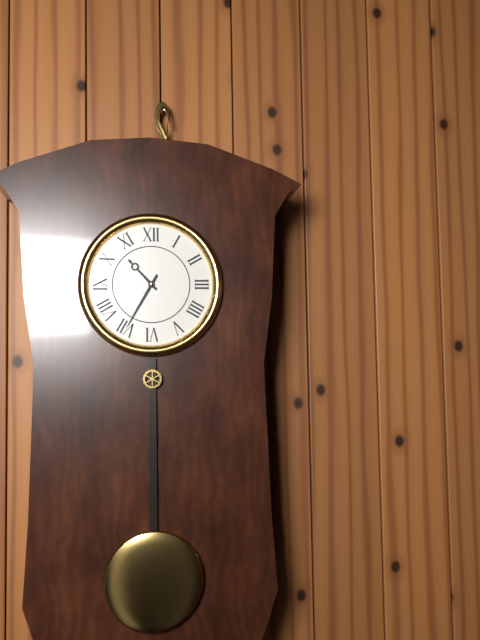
10:35
